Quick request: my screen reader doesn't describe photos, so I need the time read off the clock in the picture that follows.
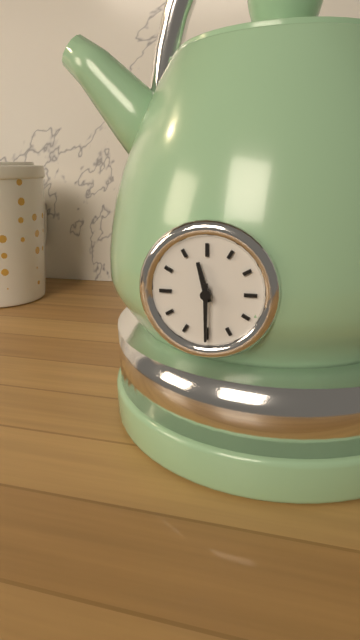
11:30
